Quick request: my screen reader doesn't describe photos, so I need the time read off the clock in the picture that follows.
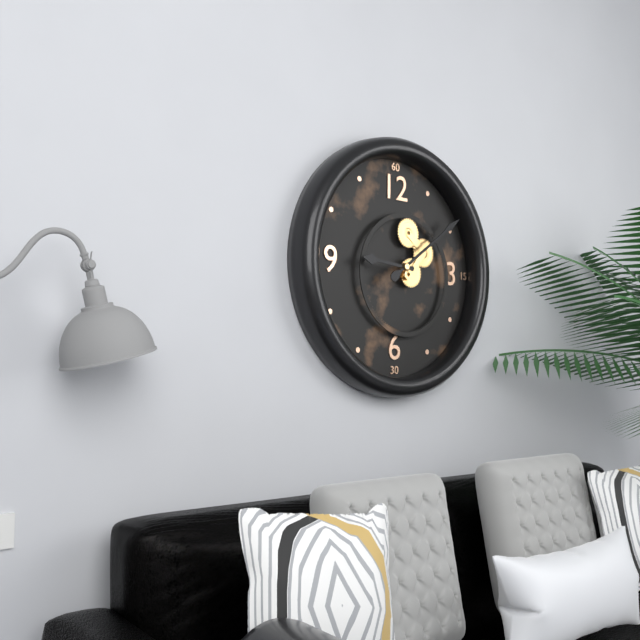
9:09
